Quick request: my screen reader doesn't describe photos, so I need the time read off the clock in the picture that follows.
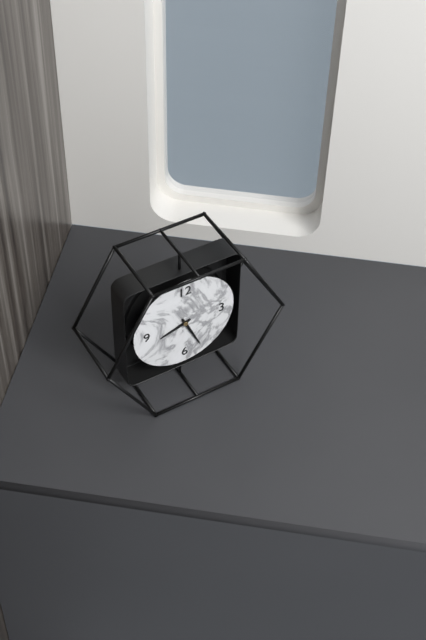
8:26
